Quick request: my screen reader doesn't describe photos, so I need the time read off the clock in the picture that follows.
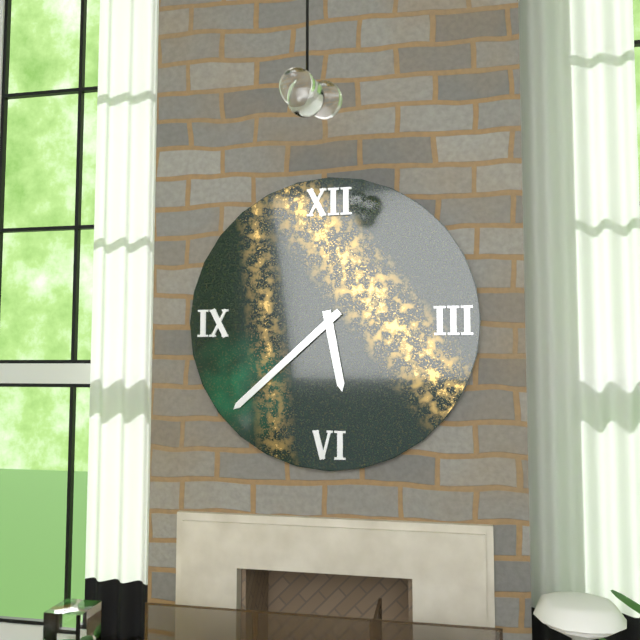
5:38
